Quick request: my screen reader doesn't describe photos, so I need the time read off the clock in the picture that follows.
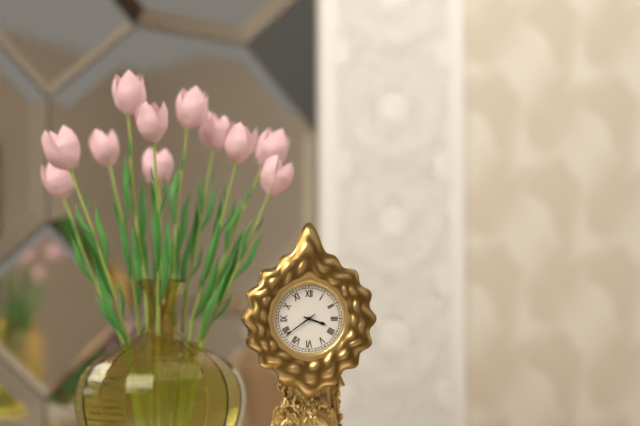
3:39
